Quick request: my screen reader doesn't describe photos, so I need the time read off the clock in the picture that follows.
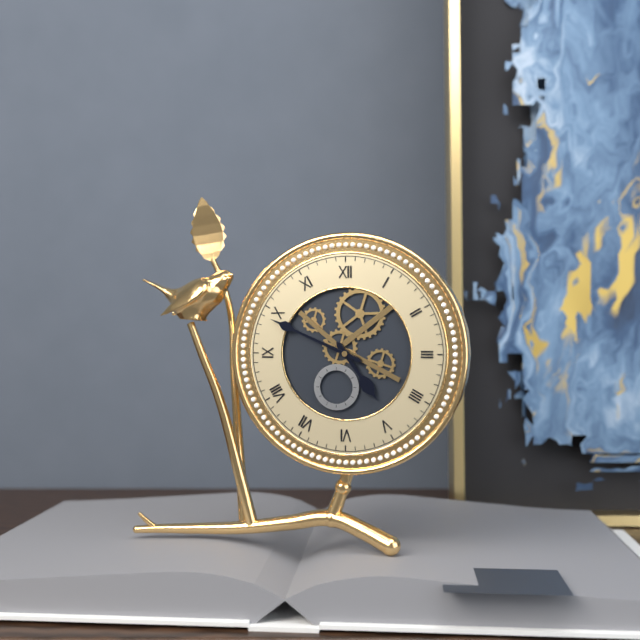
4:49
